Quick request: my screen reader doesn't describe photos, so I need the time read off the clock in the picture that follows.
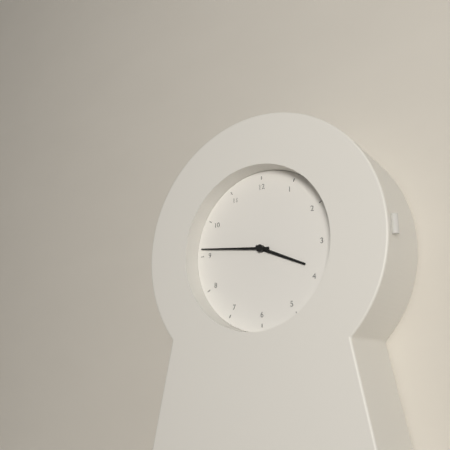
3:46
